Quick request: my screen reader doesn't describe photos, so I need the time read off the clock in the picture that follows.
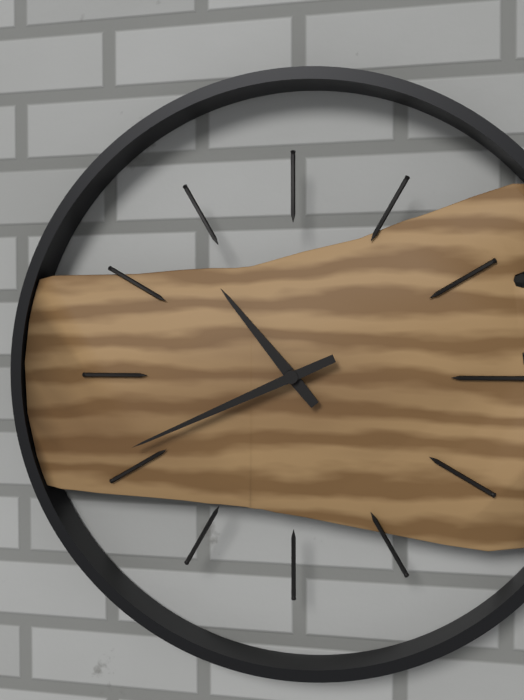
10:41
